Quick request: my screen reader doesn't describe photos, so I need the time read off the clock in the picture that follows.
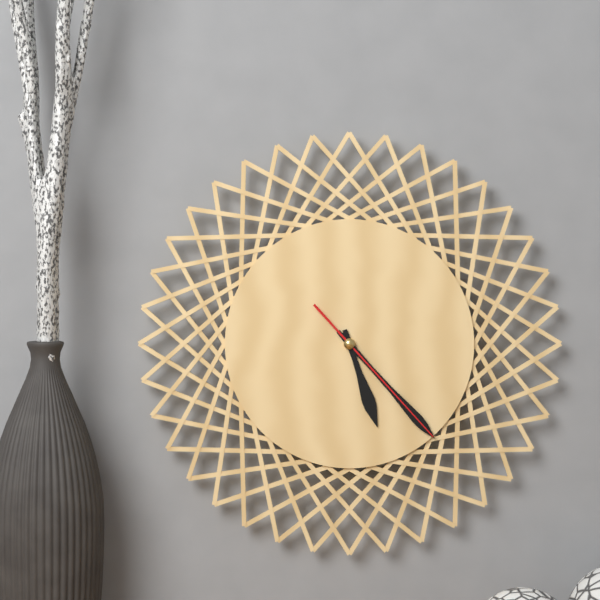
5:23:23
